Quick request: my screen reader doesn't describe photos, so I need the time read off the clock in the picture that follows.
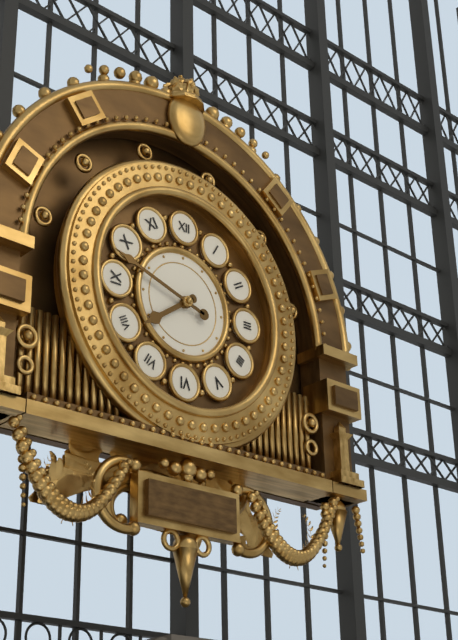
7:48
